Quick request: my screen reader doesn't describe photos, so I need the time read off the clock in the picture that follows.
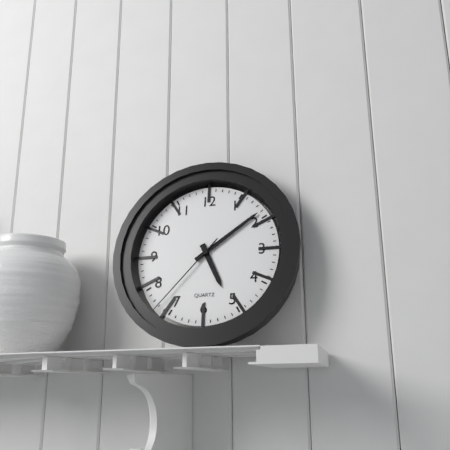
5:09:37
